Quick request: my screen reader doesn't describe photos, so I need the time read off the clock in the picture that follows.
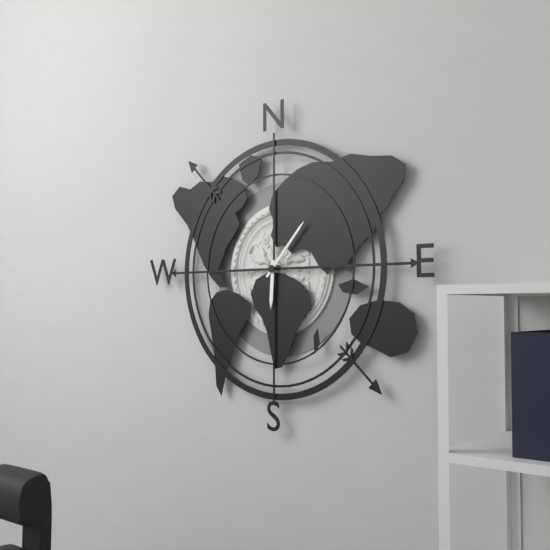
6:07
